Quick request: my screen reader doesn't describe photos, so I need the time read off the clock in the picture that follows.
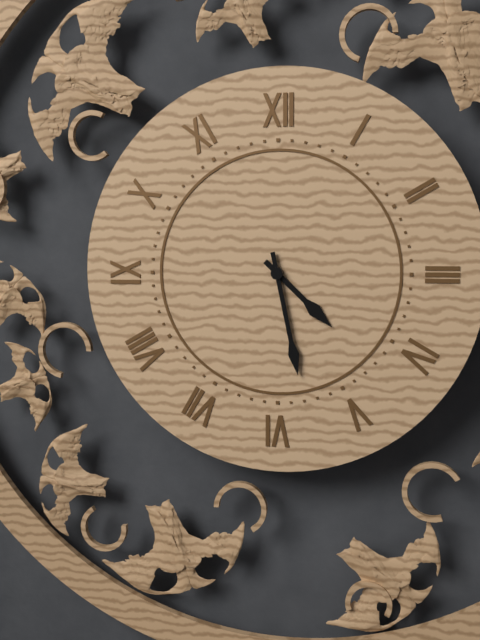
4:28
